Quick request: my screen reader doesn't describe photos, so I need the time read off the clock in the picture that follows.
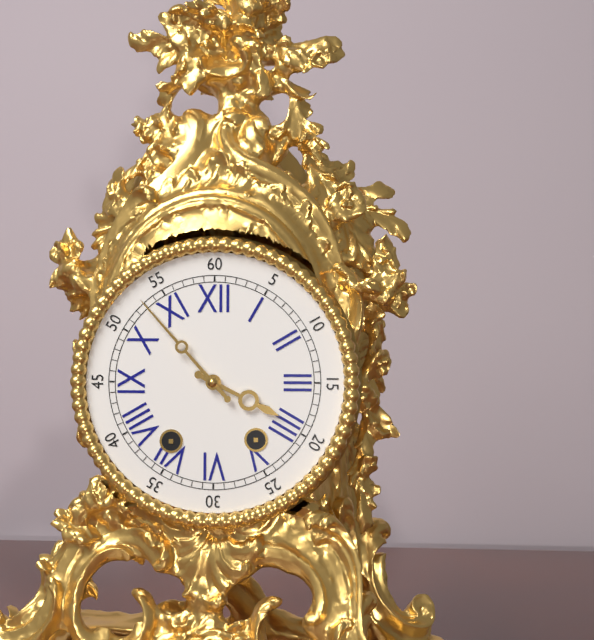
3:53
